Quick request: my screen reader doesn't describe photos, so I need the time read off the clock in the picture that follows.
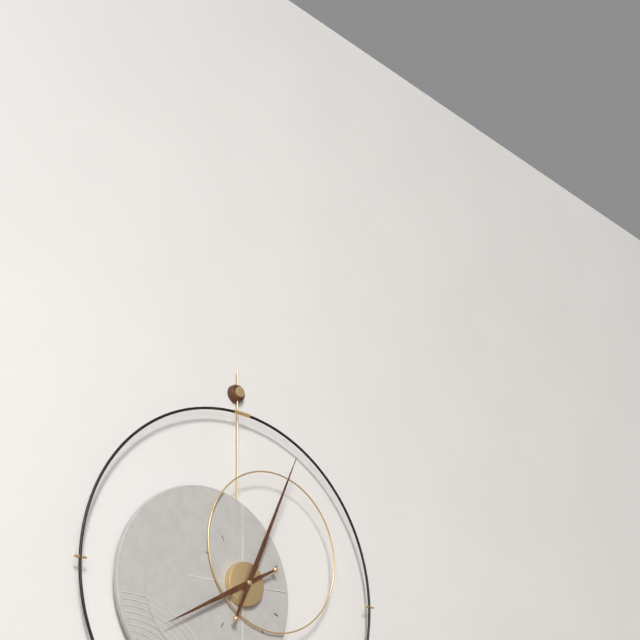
8:04
